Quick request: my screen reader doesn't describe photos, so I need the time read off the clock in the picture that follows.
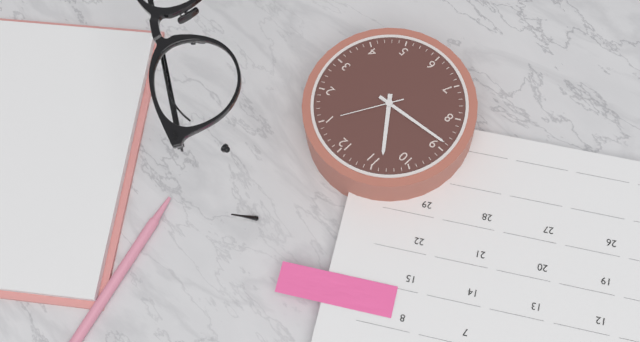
10:44:05
